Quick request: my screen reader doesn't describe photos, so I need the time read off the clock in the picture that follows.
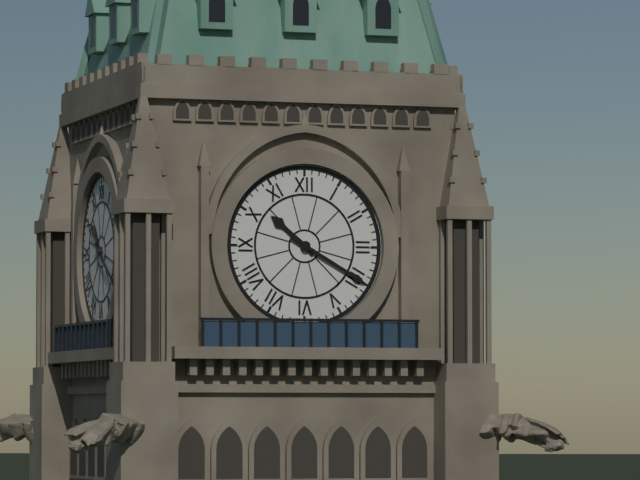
10:20
